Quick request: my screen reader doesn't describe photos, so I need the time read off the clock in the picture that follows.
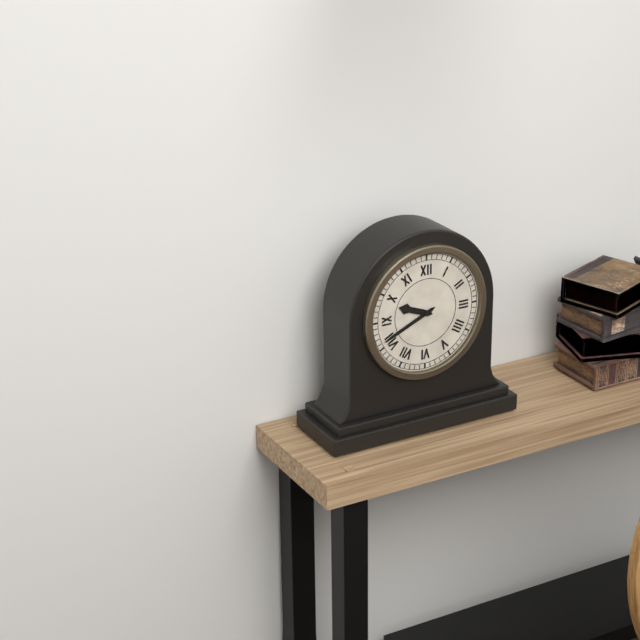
9:41
